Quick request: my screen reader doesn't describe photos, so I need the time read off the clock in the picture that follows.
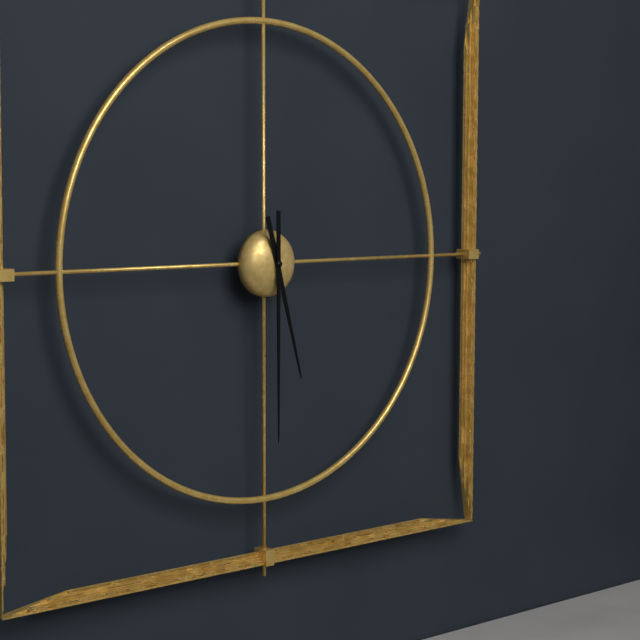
5:30
